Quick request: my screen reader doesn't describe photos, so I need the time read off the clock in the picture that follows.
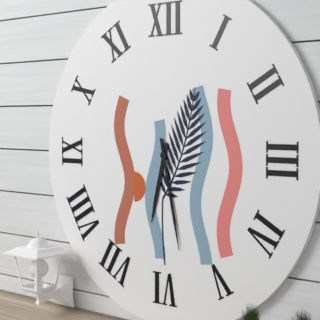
6:28
